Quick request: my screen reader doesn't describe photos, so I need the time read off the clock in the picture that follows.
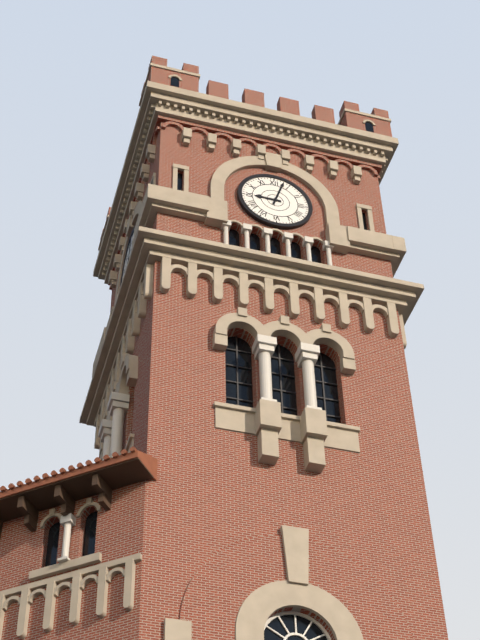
9:03
